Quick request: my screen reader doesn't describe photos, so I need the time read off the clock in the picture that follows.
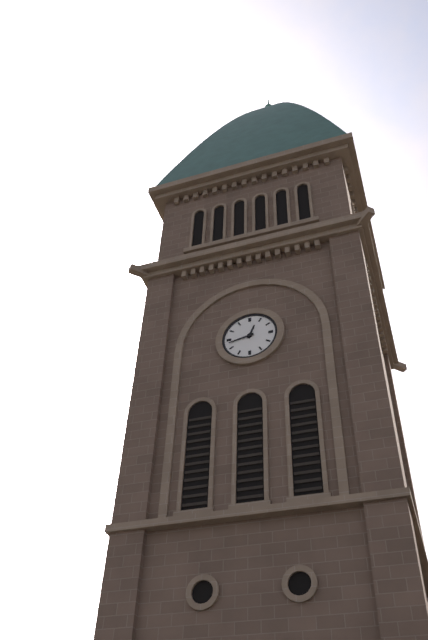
12:43
